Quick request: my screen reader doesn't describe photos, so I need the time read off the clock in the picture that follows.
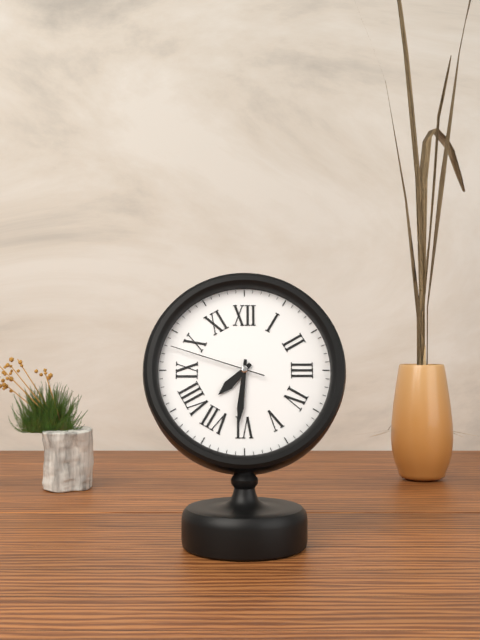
7:31:48
